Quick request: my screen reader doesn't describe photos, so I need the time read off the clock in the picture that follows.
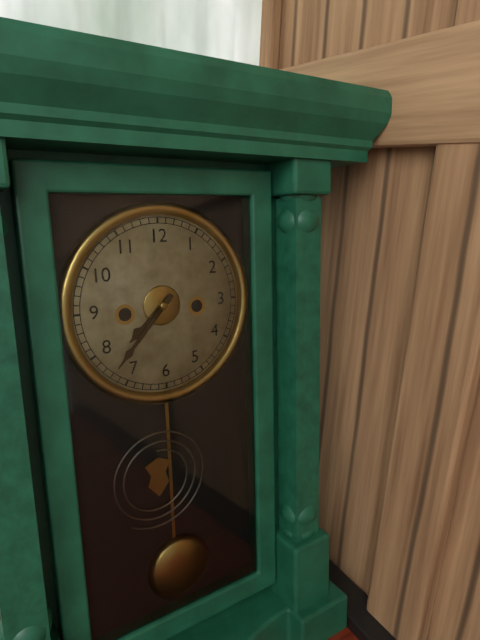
7:37
